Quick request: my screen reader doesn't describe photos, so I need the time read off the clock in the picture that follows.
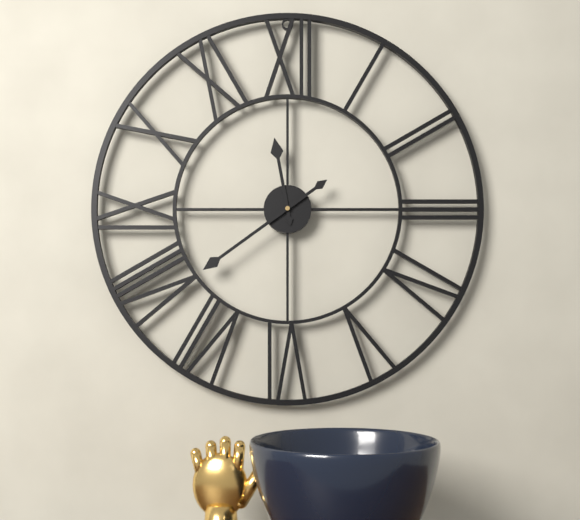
11:39
